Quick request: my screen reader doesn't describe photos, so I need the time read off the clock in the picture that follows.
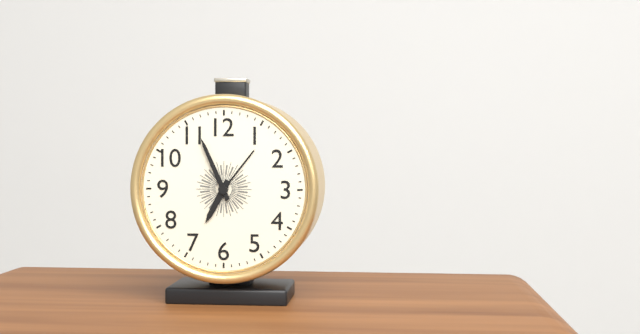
6:56
